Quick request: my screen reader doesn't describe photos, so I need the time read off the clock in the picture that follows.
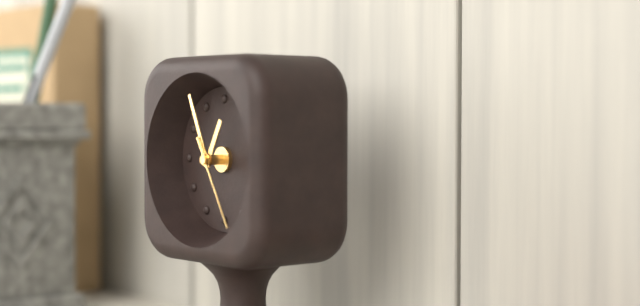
12:56:25
